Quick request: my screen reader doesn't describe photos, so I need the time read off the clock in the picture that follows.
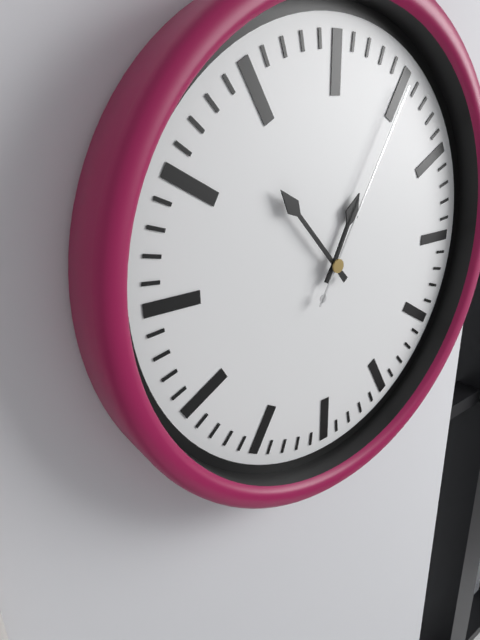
12:53:05
